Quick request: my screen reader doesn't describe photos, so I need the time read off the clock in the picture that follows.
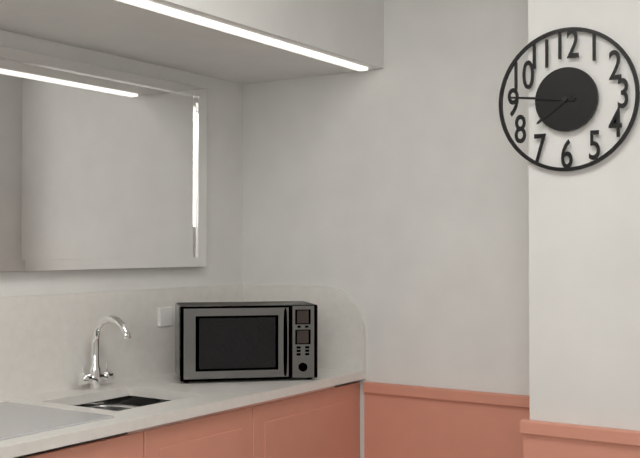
7:46
